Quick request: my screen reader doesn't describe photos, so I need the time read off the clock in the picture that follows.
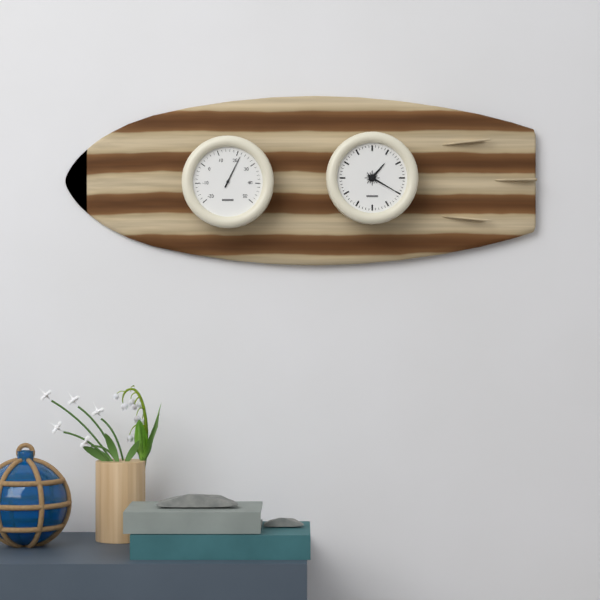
1:20
